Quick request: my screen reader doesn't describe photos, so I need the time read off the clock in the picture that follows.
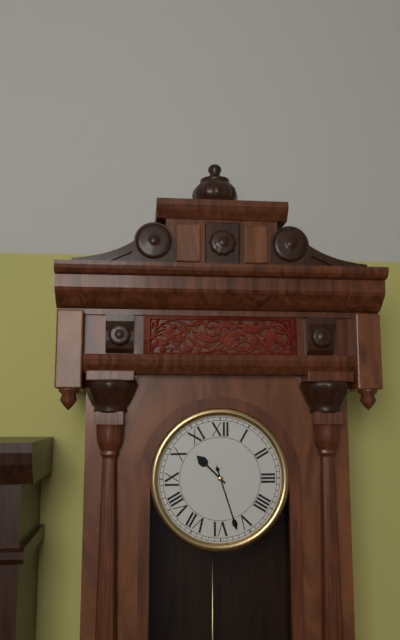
10:27
